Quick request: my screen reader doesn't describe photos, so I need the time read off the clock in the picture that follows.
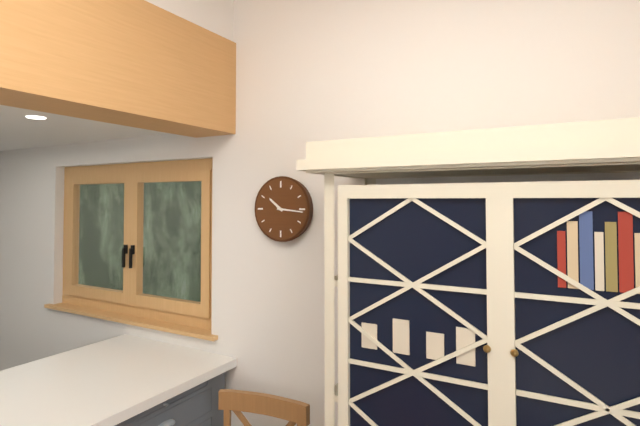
10:16
